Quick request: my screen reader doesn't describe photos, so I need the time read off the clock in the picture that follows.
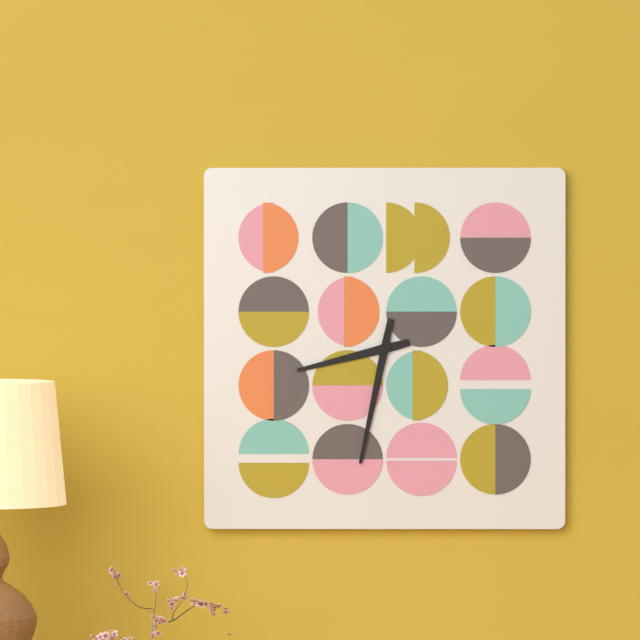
8:32
